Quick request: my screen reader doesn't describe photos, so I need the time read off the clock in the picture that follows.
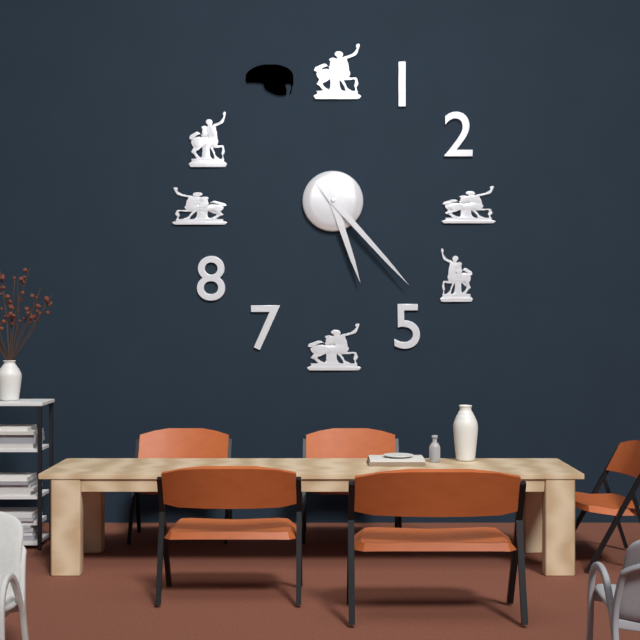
5:23
